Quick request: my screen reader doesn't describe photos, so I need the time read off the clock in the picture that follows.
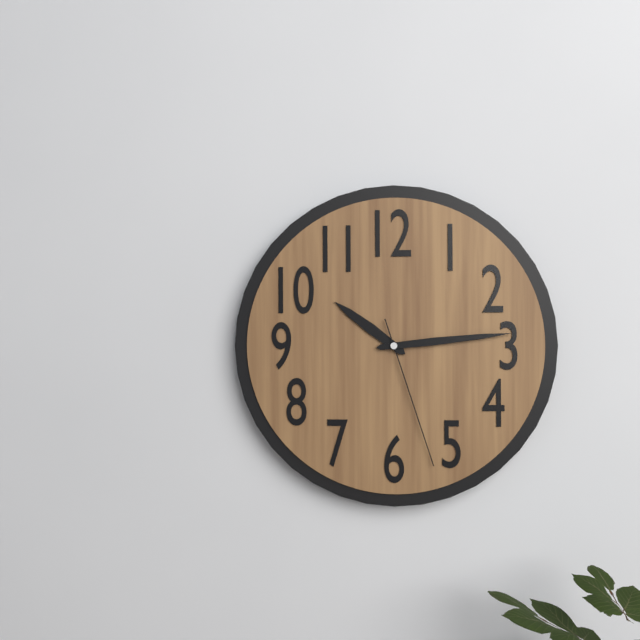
10:14:27
